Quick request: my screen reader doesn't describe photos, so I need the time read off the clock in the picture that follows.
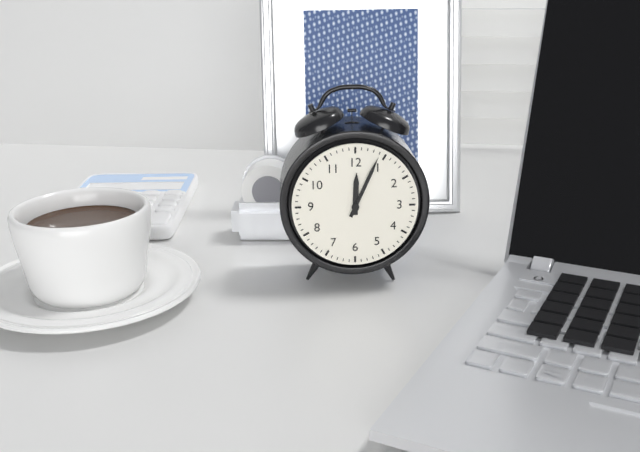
12:04
